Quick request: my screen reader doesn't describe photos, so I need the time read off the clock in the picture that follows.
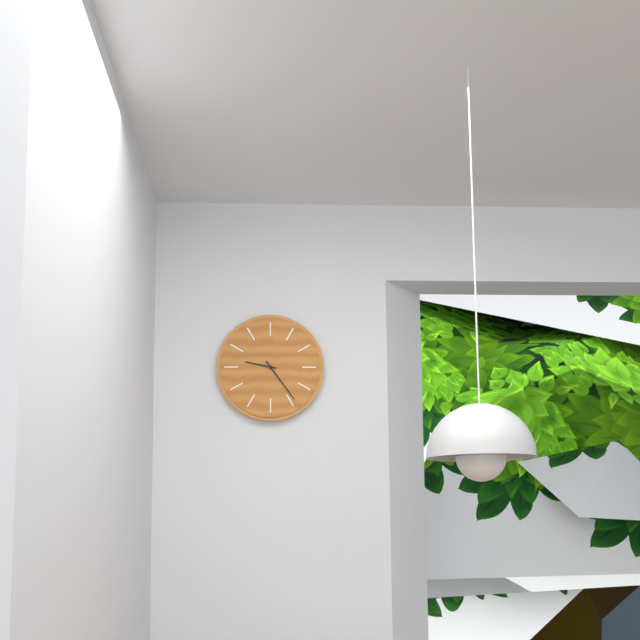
9:24
